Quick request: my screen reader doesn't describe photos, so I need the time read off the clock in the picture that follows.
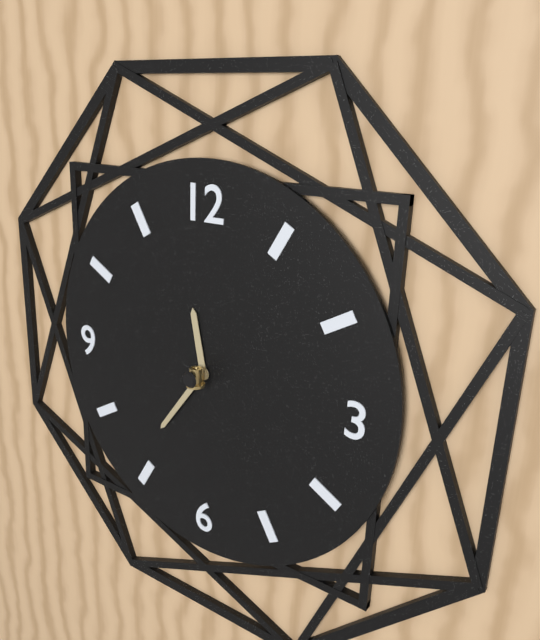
11:36
